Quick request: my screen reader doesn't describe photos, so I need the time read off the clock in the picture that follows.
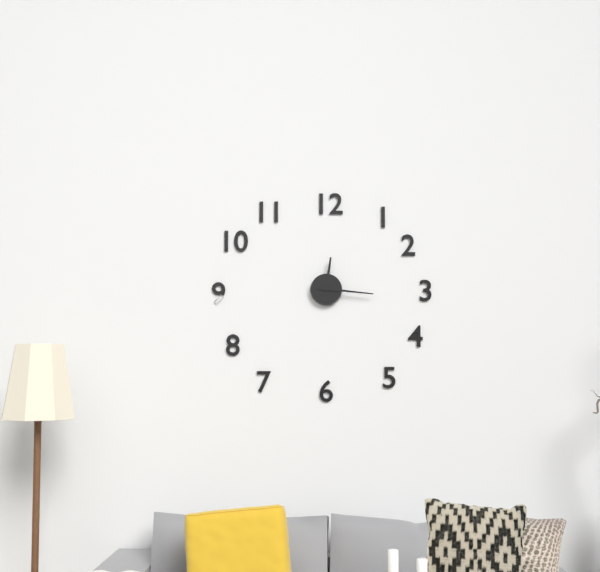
12:16
